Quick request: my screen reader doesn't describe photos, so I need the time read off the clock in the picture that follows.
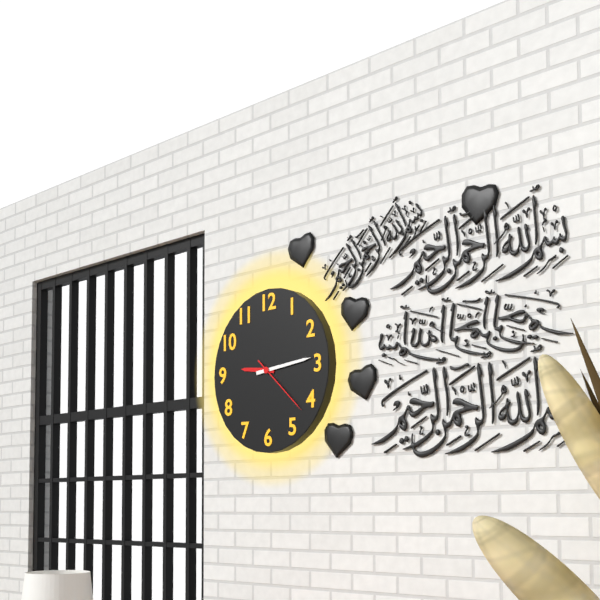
9:14:22
